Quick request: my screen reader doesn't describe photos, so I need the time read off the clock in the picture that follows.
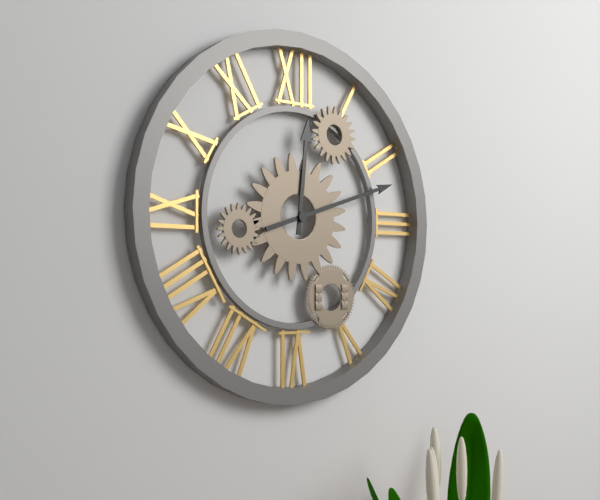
12:12
